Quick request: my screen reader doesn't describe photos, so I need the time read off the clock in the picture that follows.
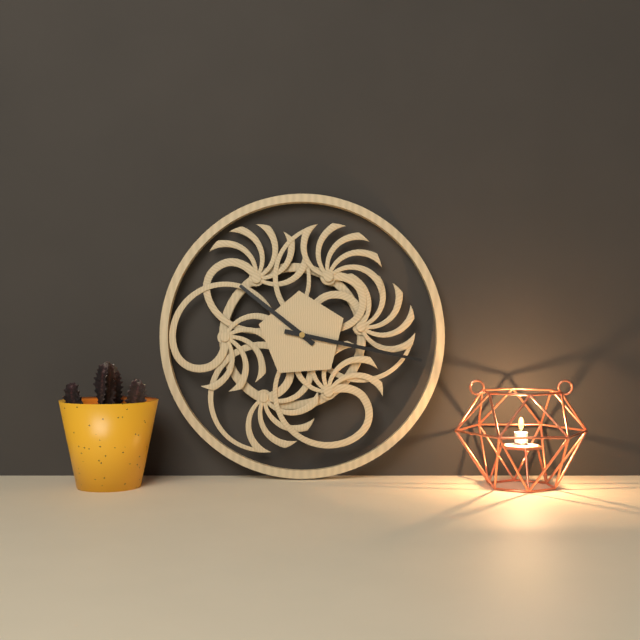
10:17
